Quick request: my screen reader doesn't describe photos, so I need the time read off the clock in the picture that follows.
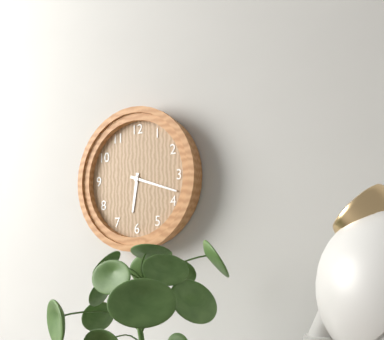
6:18
